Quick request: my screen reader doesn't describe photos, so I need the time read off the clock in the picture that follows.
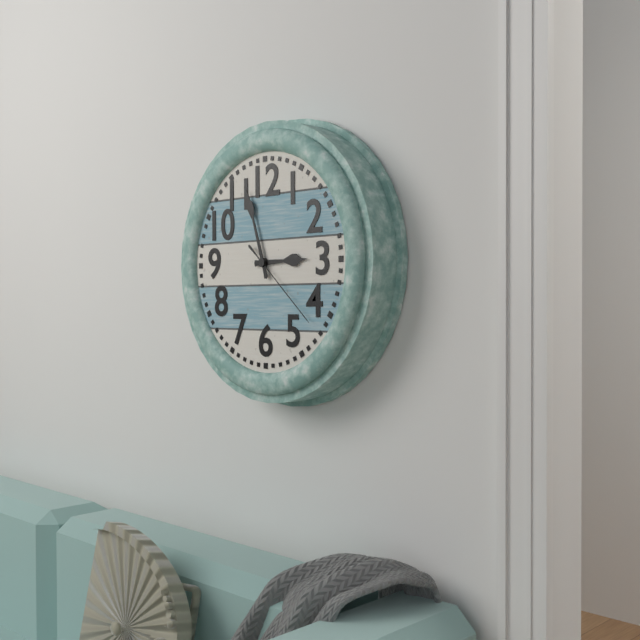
2:57:22
